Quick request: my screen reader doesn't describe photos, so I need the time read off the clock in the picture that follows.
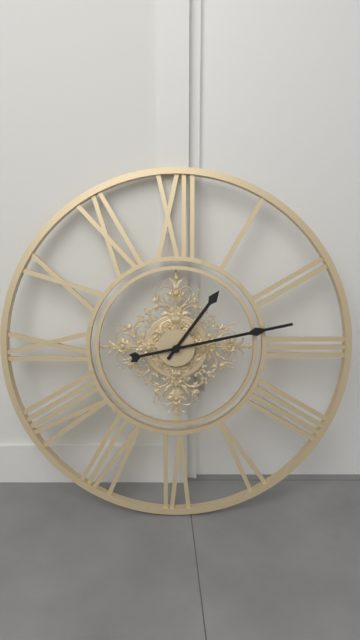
1:13
